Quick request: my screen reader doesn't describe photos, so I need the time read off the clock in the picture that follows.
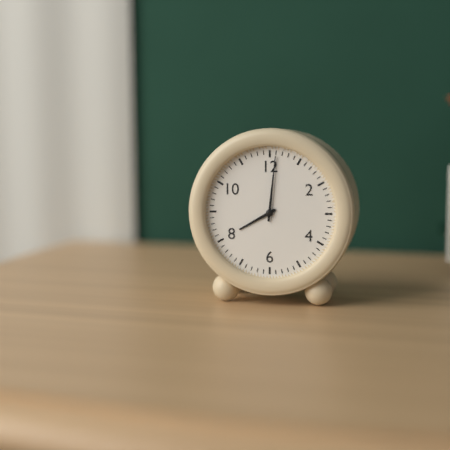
8:01
